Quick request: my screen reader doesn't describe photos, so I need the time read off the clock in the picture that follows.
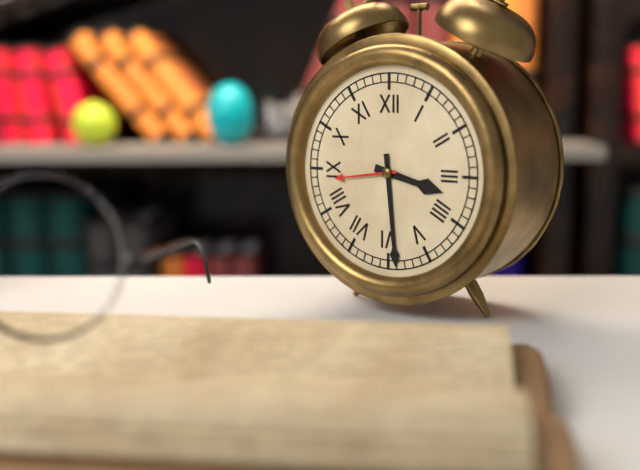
3:29
